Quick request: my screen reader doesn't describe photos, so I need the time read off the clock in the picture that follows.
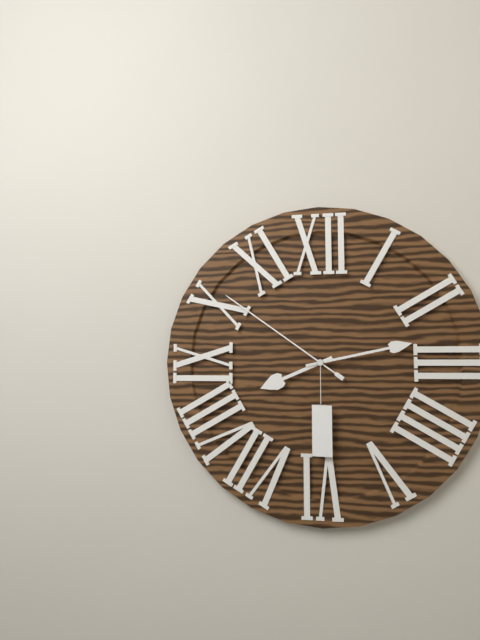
8:13:51
